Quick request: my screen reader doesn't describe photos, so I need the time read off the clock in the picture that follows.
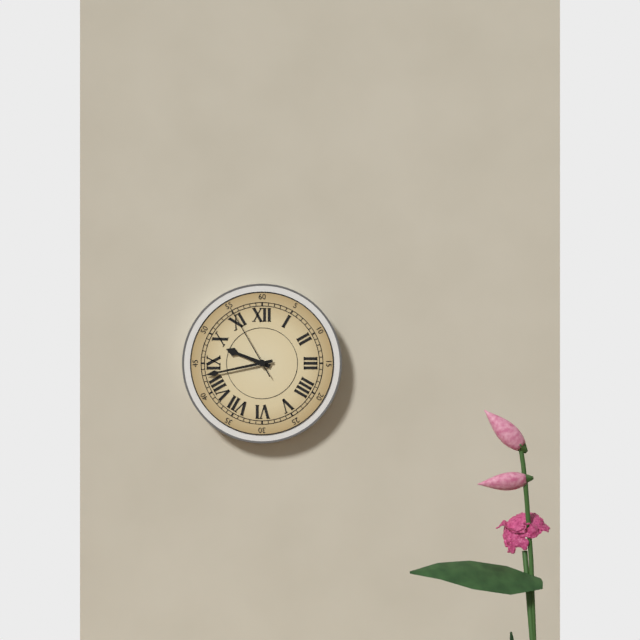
9:43:55
